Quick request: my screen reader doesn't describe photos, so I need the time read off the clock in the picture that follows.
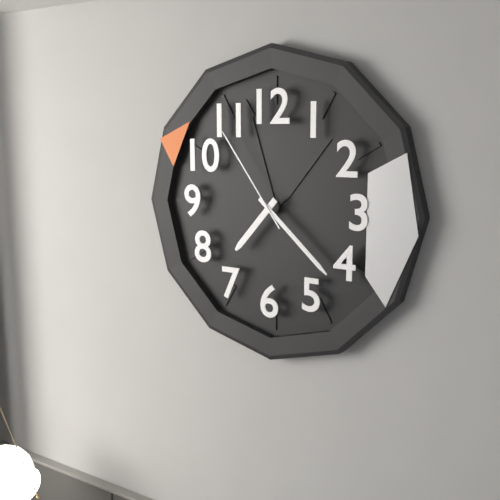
7:22:54
